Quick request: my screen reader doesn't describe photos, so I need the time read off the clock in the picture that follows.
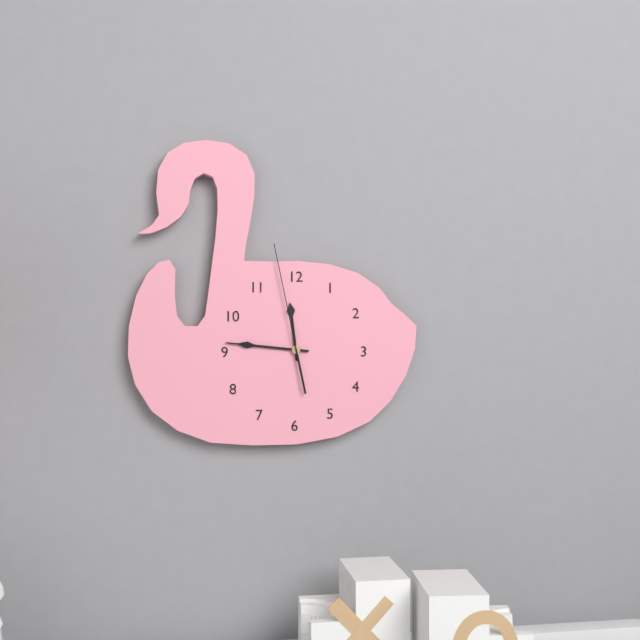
11:46:58
